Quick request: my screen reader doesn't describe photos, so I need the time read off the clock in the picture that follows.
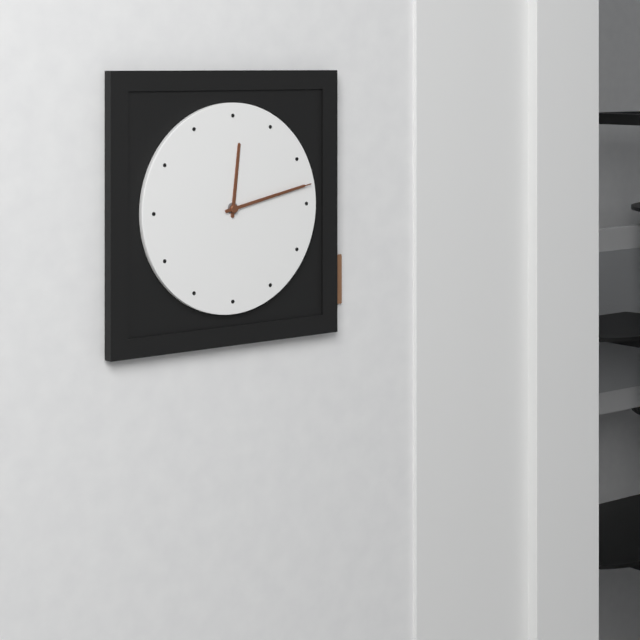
12:13:13
